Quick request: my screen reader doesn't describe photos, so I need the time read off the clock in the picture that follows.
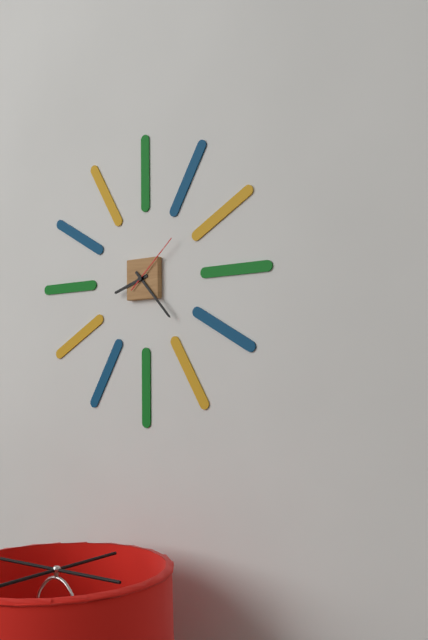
8:23:08
